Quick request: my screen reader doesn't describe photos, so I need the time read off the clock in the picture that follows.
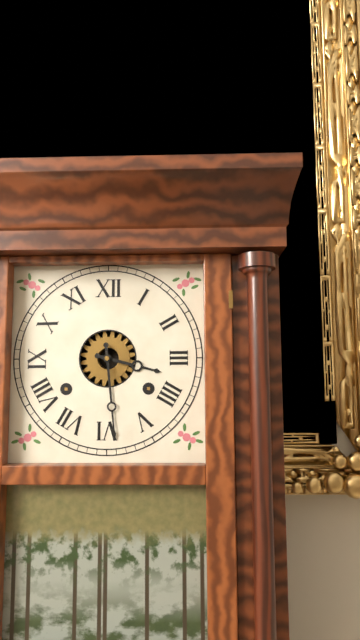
3:29
